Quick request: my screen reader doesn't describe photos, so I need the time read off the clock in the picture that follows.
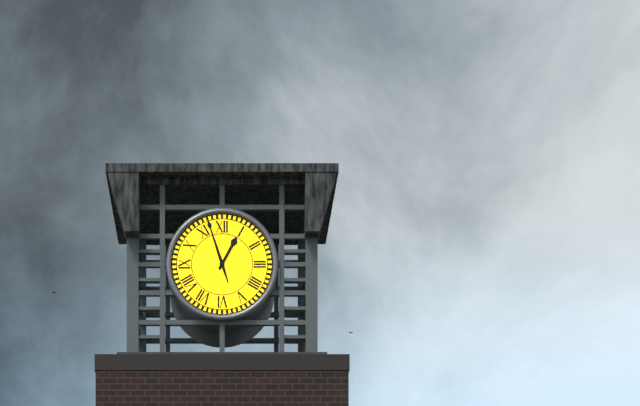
12:57
